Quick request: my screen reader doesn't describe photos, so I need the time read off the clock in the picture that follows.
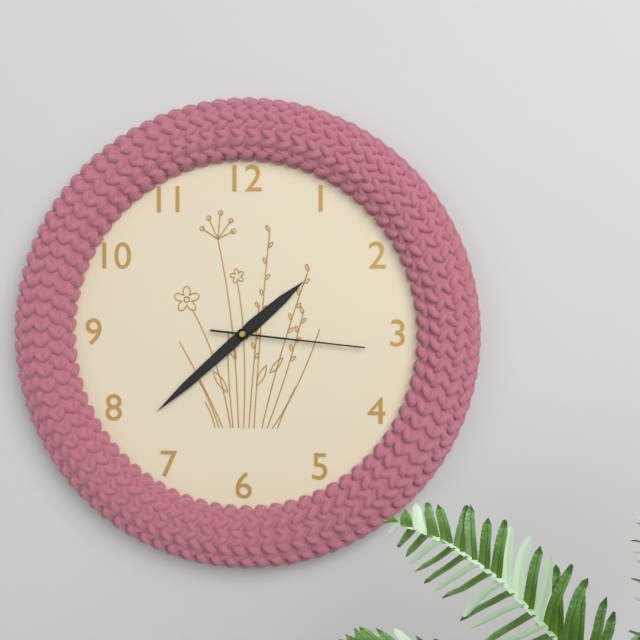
1:38:16
